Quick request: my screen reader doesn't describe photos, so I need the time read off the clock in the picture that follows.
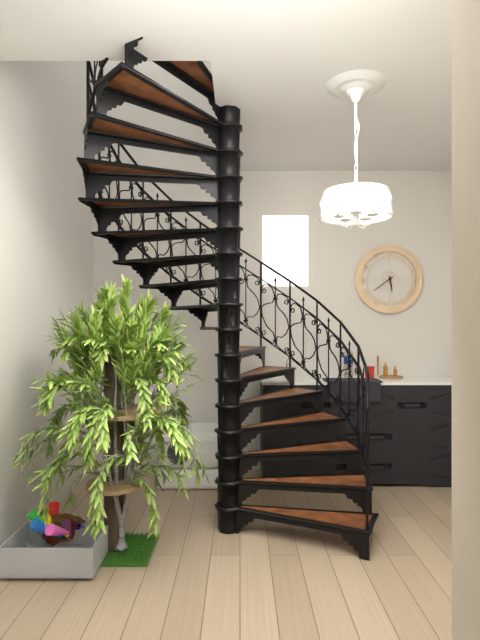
5:39
